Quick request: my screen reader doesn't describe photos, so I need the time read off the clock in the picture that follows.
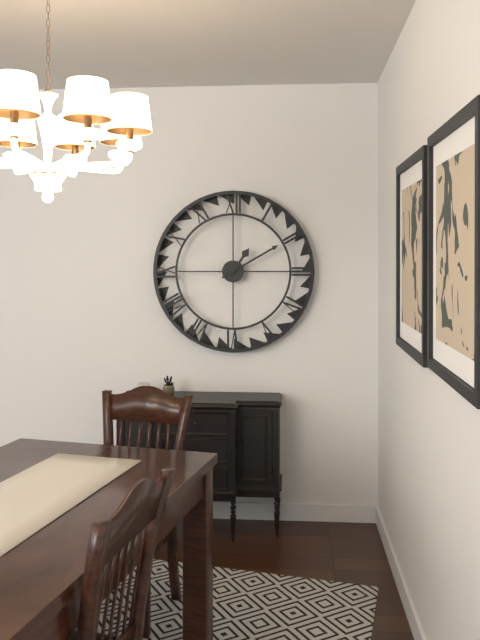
1:10
